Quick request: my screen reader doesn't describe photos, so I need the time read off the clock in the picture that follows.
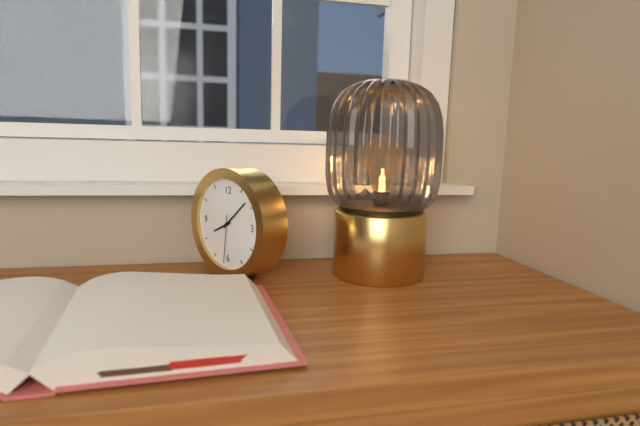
8:08:31
